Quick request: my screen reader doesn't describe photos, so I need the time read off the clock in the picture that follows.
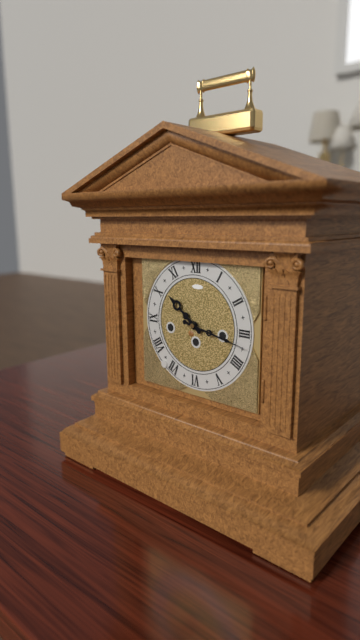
10:17
